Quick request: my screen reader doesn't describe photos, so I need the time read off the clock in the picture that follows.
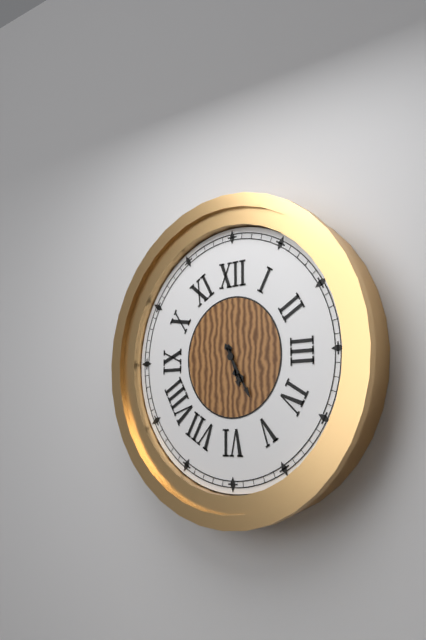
5:25
